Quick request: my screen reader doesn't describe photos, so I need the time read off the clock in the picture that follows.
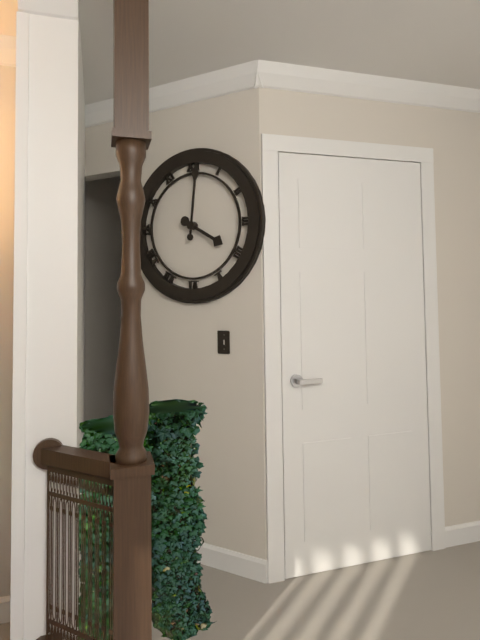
4:01
